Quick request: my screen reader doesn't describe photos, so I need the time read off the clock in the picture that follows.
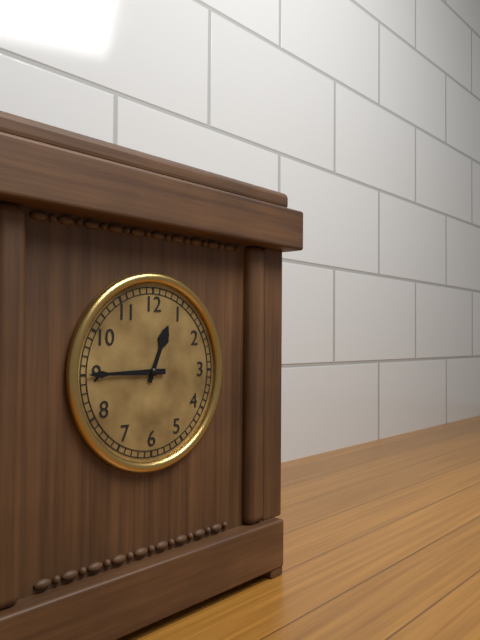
12:45
